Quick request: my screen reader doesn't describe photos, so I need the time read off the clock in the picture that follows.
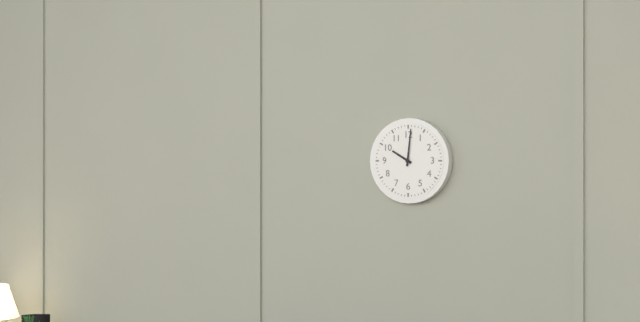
10:01
